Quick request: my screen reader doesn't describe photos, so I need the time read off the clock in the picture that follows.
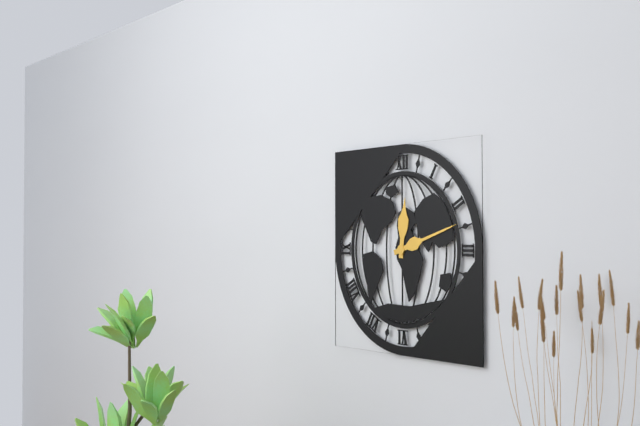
12:12
